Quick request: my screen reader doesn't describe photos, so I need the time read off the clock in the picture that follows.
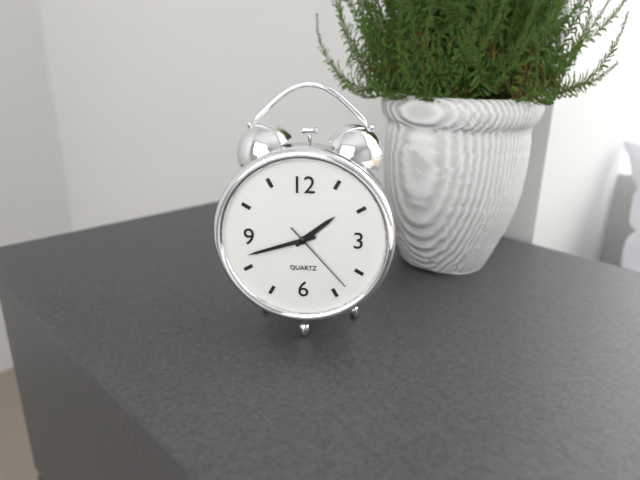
1:42:23
